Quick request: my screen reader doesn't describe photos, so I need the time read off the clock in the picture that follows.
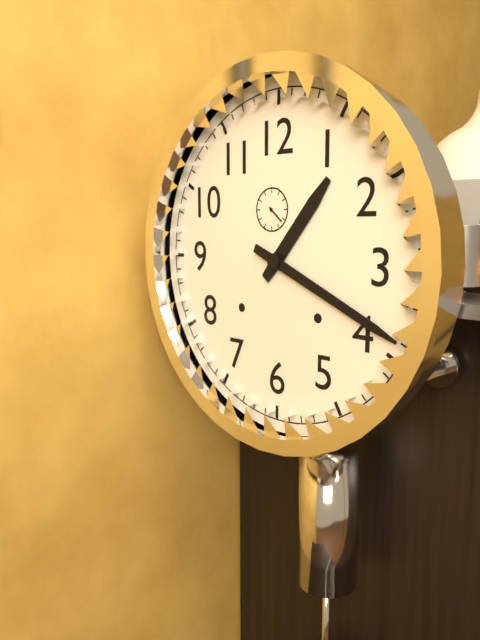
1:19
